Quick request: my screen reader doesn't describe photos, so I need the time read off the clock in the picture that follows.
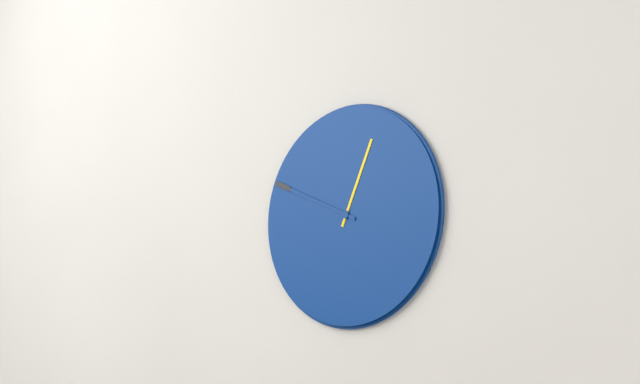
12:49
